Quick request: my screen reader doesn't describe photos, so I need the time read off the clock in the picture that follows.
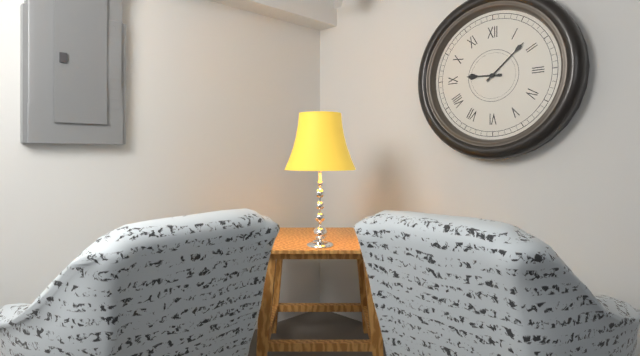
9:08
